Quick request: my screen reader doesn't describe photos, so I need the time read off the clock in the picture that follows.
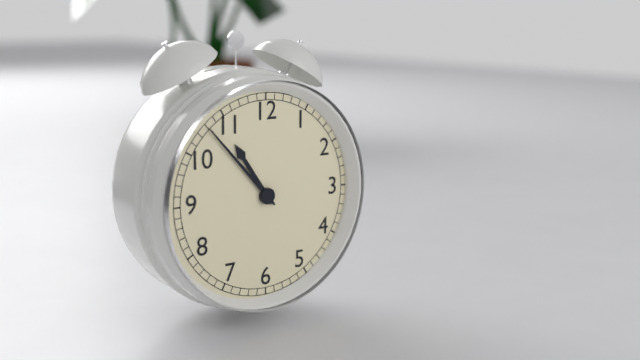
10:53
